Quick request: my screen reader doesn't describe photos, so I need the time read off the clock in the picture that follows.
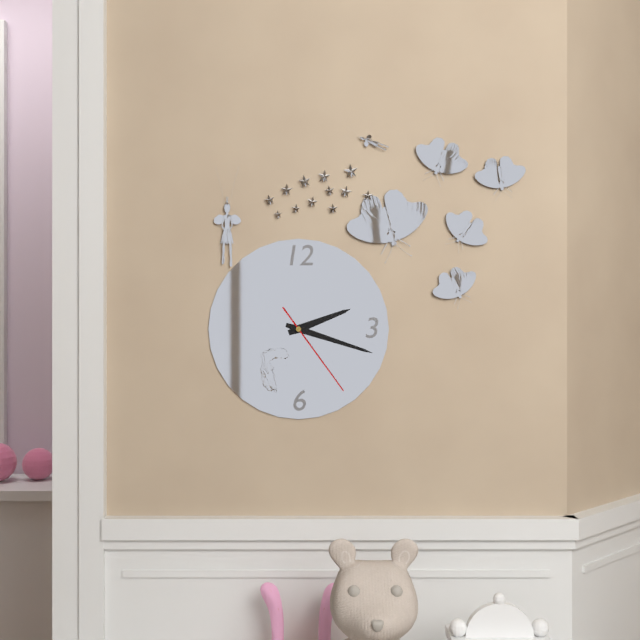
2:18:24
